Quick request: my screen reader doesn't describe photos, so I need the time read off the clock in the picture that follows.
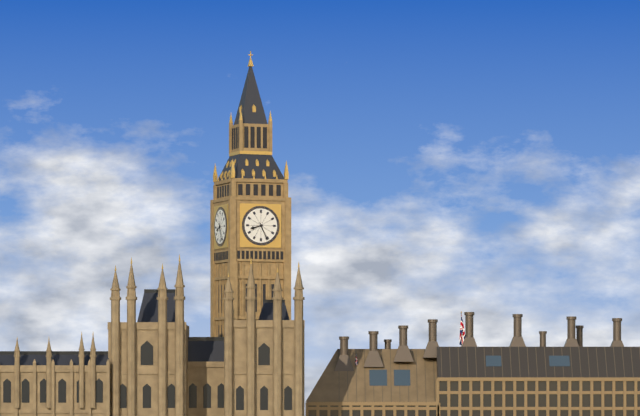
8:26
